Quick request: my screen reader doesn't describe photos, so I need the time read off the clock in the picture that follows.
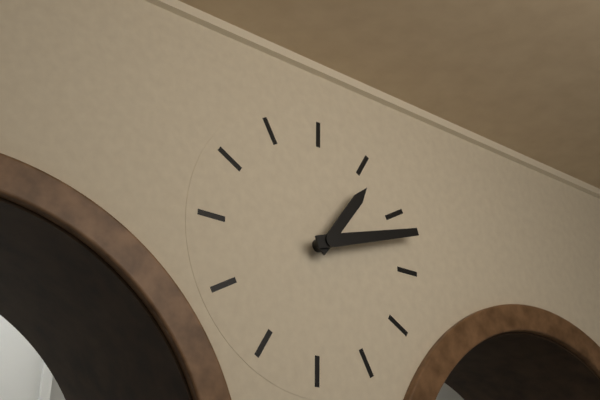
1:12
